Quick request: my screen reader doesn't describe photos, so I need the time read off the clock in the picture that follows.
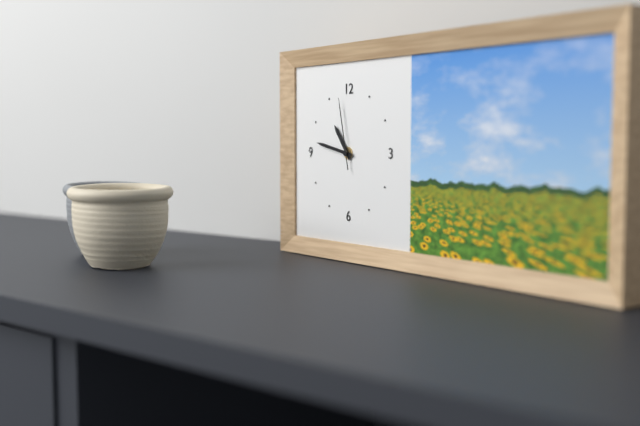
10:47:58
